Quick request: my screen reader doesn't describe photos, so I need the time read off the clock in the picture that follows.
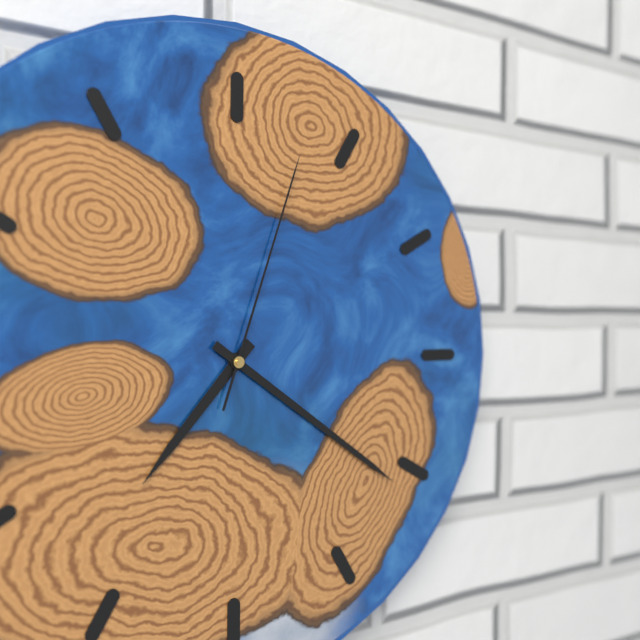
7:21:03
